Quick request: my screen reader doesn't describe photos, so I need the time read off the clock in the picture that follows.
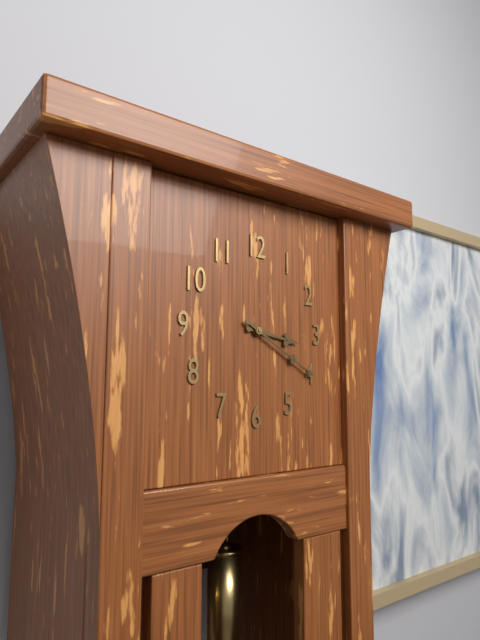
3:20
